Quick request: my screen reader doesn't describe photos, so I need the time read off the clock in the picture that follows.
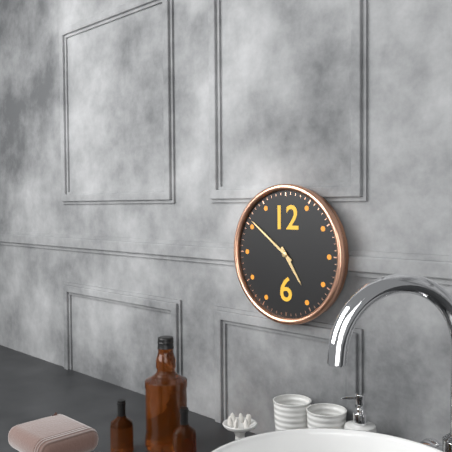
4:51
